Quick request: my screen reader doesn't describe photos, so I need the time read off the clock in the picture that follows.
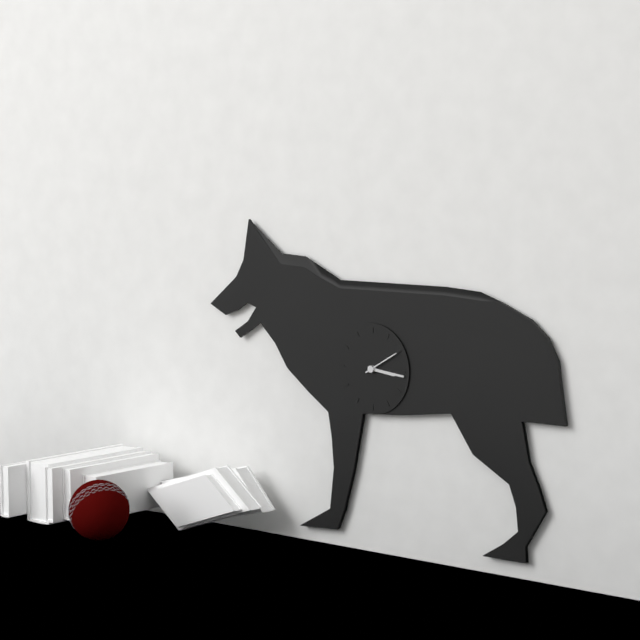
3:16
